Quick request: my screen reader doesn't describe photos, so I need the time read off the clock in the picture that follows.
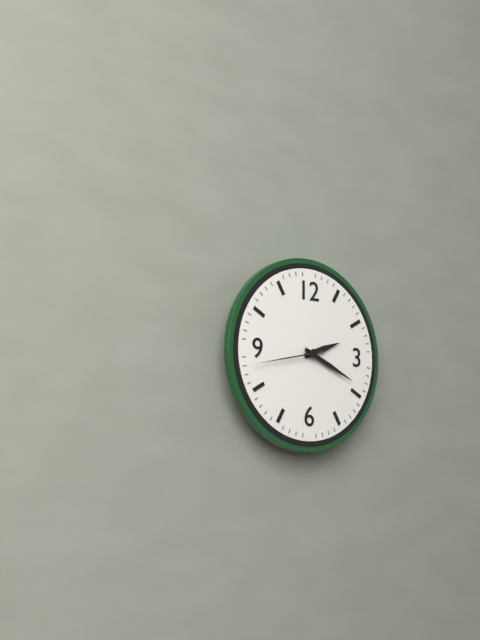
2:19:43
